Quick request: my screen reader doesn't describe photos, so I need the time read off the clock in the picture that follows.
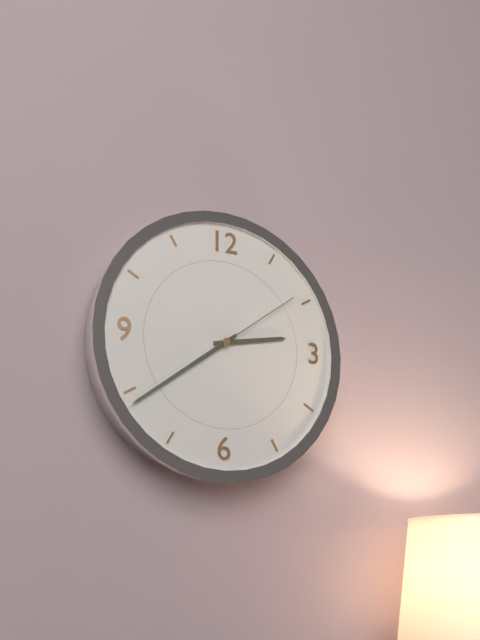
2:39:09
